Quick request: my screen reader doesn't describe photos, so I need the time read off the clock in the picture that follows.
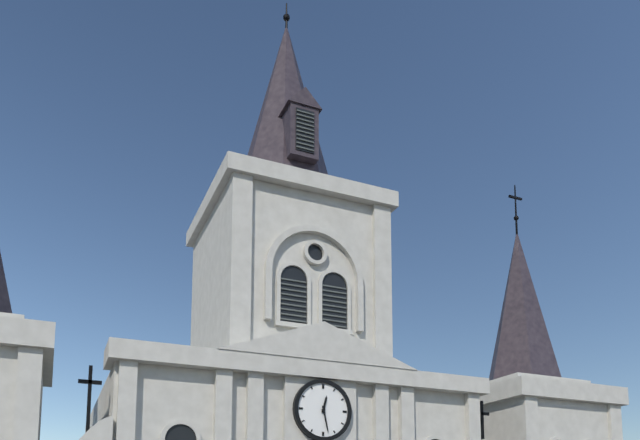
12:28
